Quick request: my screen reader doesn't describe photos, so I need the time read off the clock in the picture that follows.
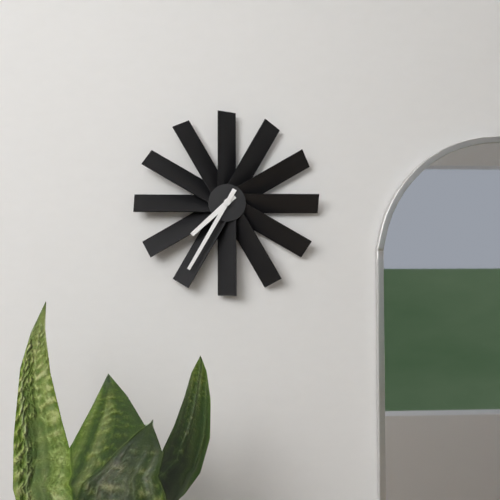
7:35
